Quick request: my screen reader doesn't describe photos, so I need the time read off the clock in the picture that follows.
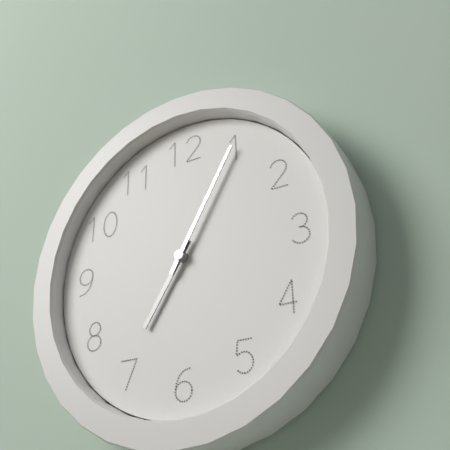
7:05
